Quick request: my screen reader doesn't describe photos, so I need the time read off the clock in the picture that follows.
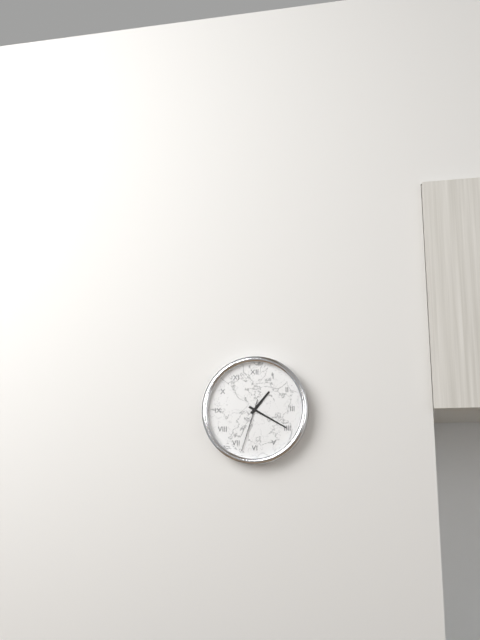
1:20:33
